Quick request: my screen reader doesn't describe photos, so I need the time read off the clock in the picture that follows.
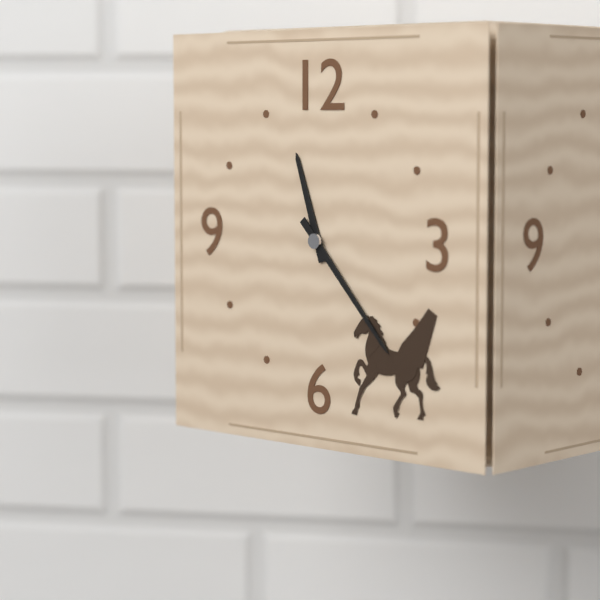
11:23
